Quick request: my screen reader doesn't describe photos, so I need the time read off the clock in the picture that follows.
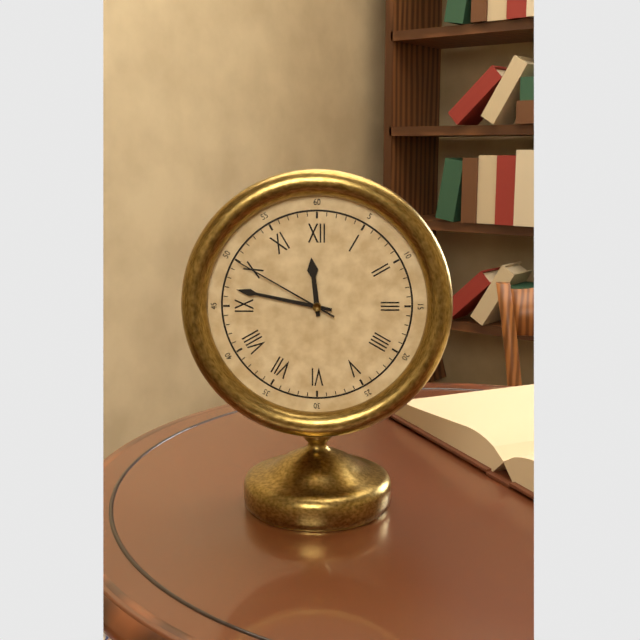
11:47:50
